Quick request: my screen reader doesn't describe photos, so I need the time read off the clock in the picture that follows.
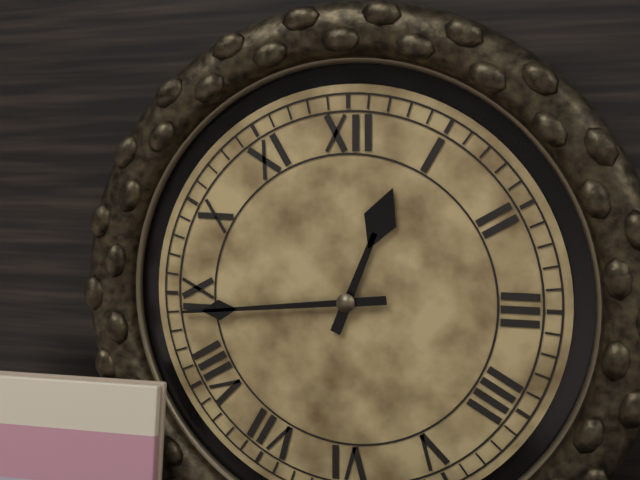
12:44
